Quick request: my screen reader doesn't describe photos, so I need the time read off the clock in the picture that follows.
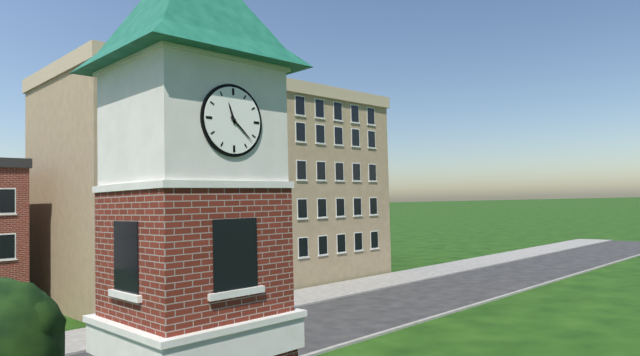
11:22
